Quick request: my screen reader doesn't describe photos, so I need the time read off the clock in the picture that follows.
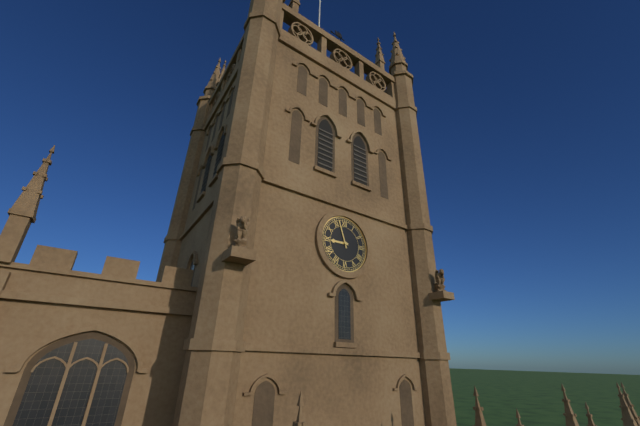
8:57
